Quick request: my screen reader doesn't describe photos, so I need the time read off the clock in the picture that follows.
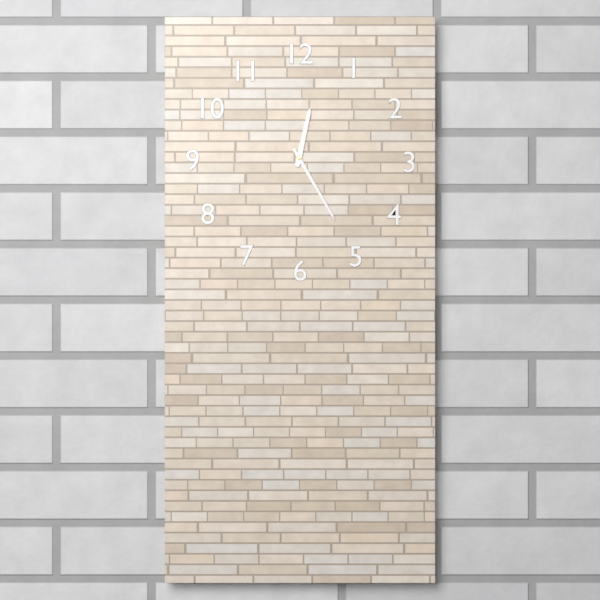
12:25
